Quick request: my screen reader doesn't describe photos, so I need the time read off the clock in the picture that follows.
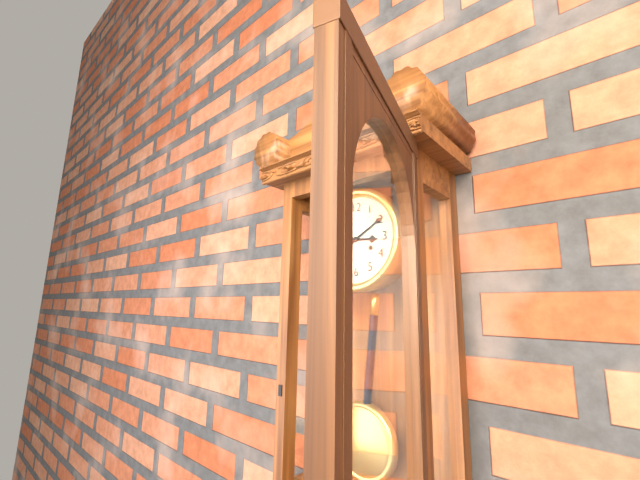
3:10
